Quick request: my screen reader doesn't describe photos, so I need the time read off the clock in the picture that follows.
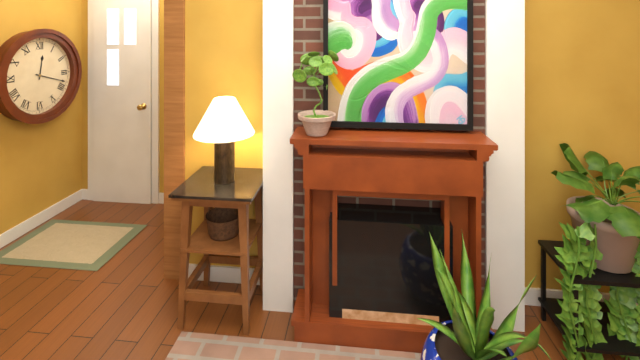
12:18
